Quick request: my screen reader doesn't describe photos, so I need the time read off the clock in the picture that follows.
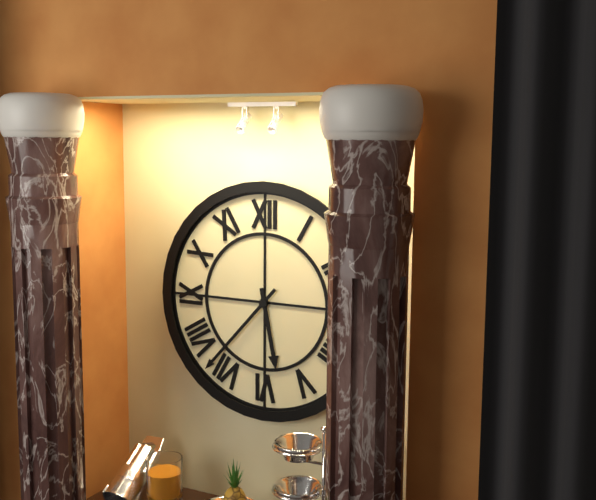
5:37
